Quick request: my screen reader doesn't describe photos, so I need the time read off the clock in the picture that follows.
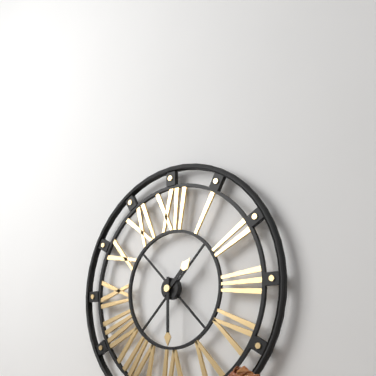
1:30
